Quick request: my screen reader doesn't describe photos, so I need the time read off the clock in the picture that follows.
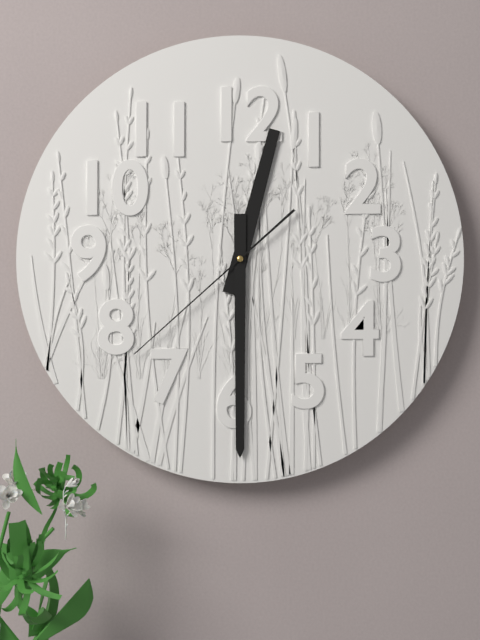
12:30:38
